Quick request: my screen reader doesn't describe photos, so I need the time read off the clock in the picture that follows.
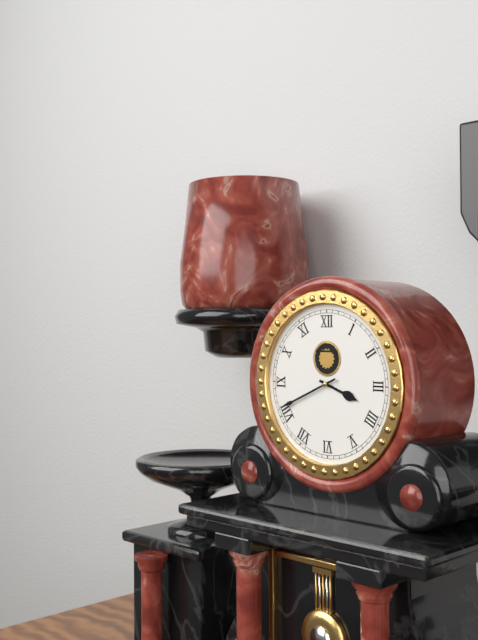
3:41
